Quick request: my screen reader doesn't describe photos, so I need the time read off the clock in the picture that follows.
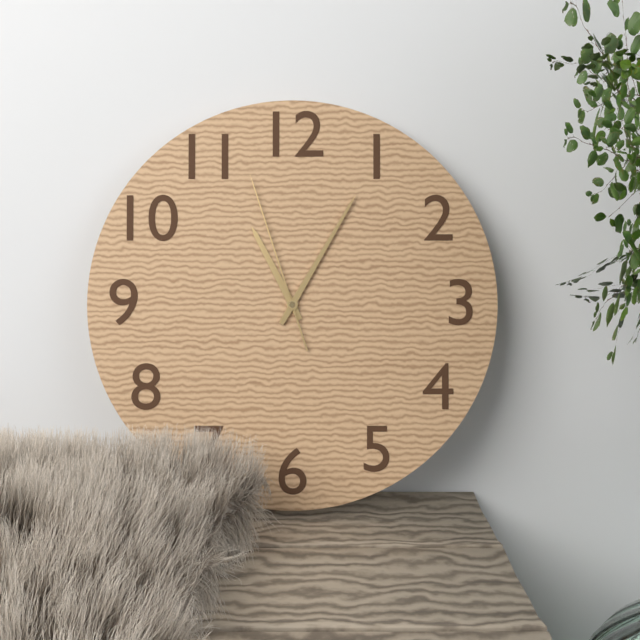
11:05:57
